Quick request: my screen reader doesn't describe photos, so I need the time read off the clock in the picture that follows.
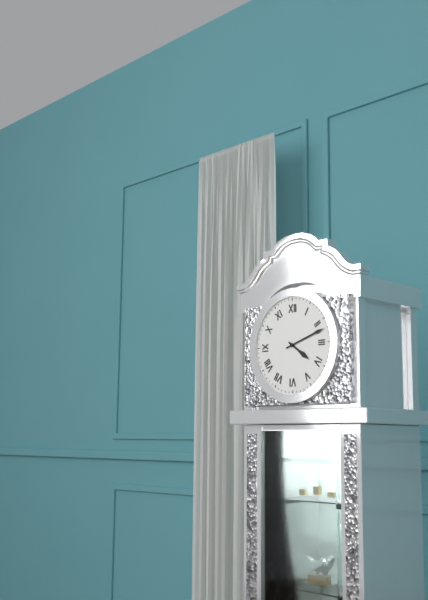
4:12
